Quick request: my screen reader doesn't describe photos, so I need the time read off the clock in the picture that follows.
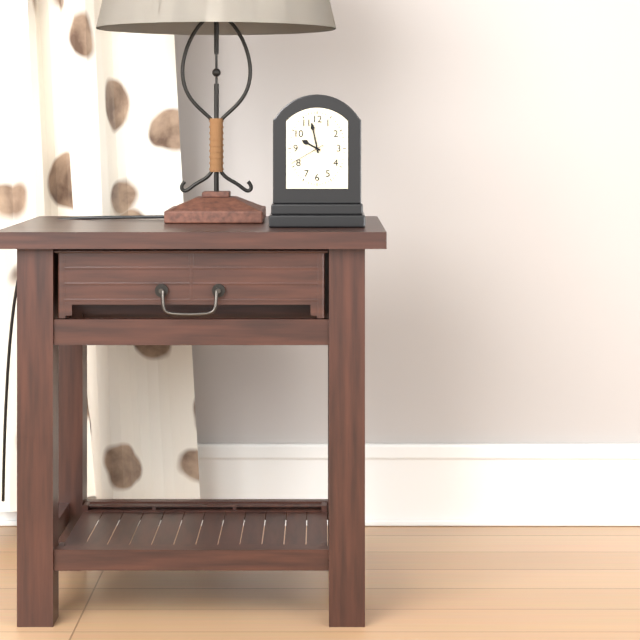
9:58
